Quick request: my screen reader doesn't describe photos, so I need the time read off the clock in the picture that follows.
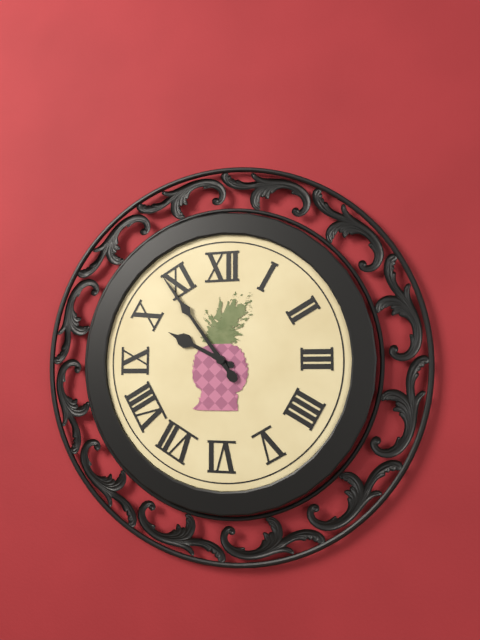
9:54
